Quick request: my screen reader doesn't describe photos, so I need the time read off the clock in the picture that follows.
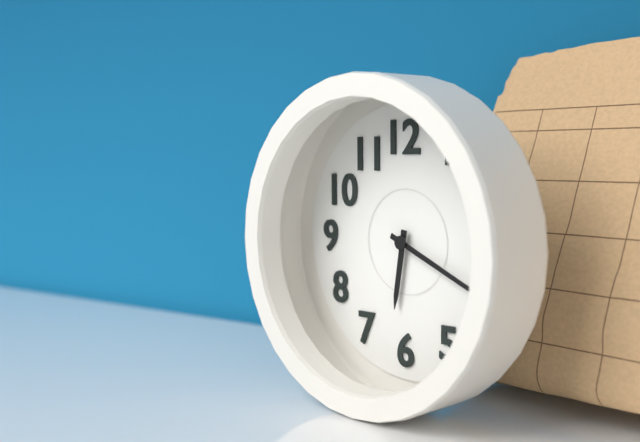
6:19
